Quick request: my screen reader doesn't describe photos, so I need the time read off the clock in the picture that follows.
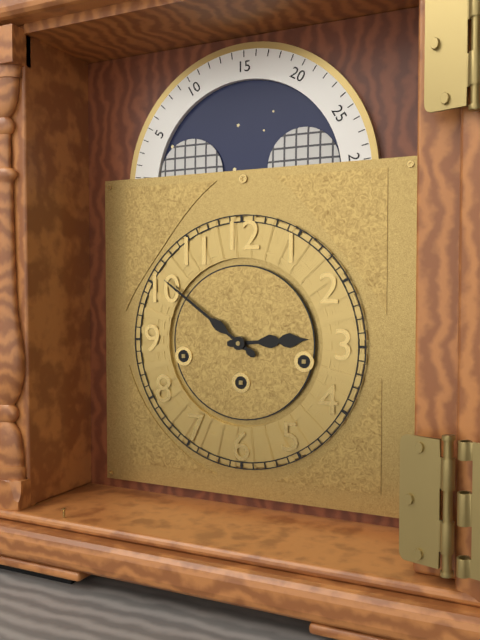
2:51
